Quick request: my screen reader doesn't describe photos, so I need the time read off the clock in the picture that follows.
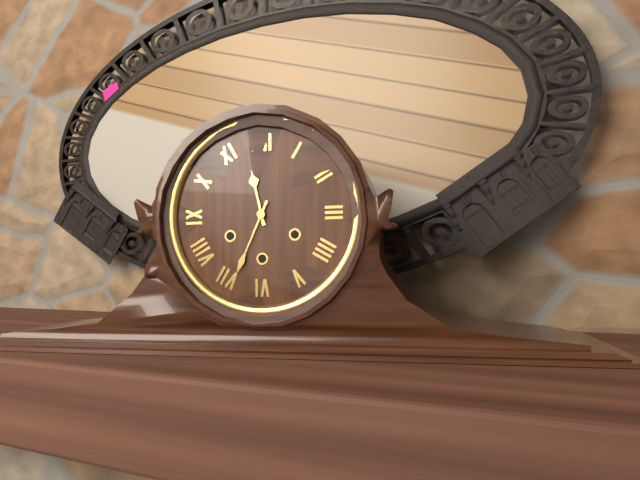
11:34
